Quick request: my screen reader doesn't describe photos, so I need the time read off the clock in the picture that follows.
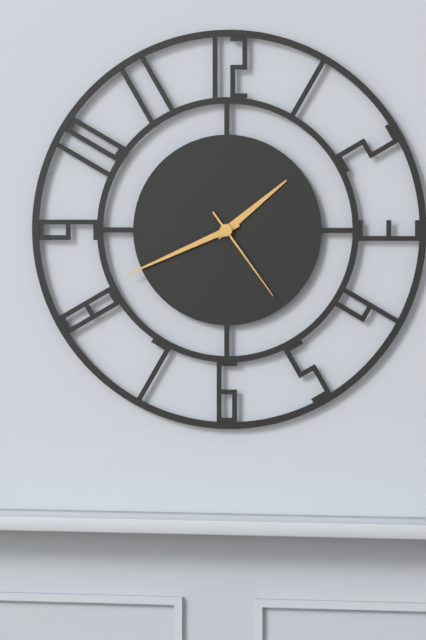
1:41:24
